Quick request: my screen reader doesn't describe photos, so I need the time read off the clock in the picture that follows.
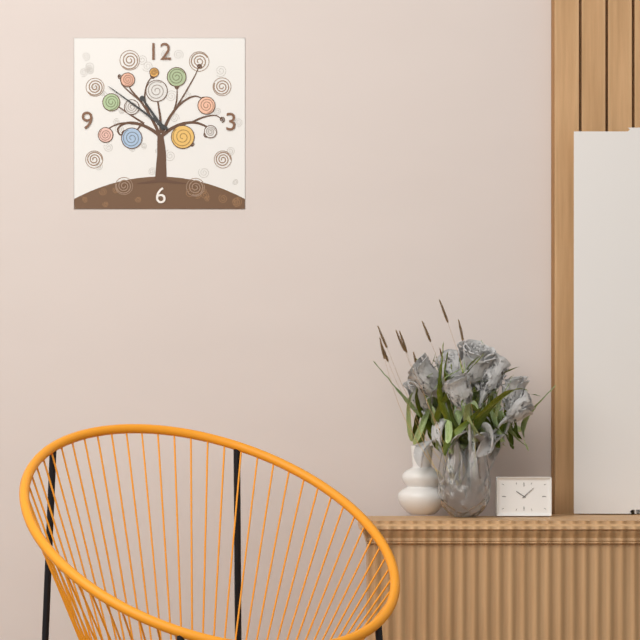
10:51
